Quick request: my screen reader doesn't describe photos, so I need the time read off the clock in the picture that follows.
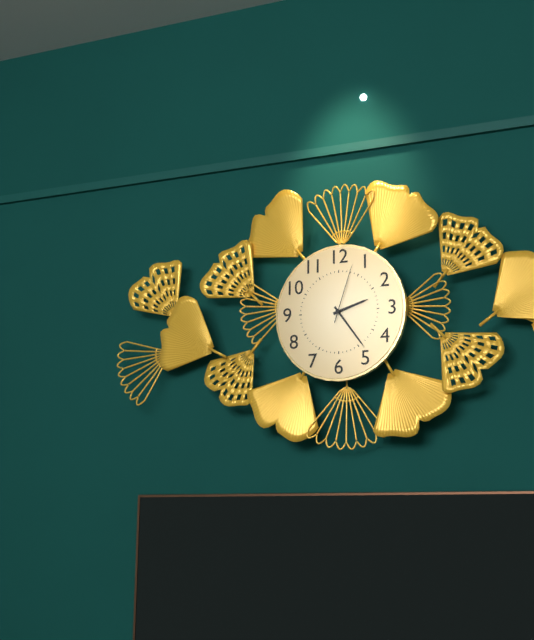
2:24:03
